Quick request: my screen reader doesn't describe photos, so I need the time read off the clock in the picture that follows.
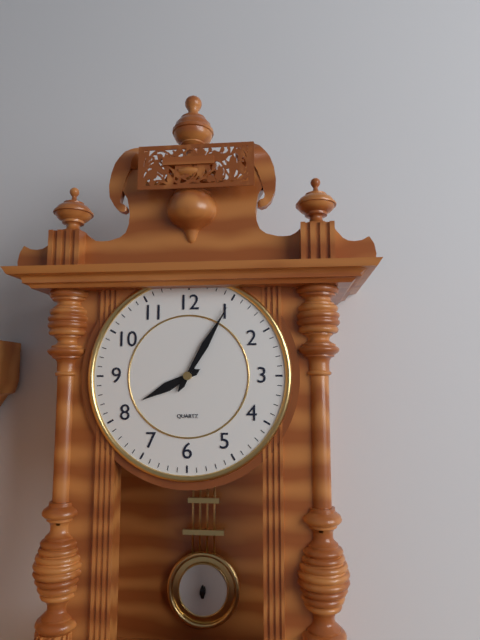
8:05
